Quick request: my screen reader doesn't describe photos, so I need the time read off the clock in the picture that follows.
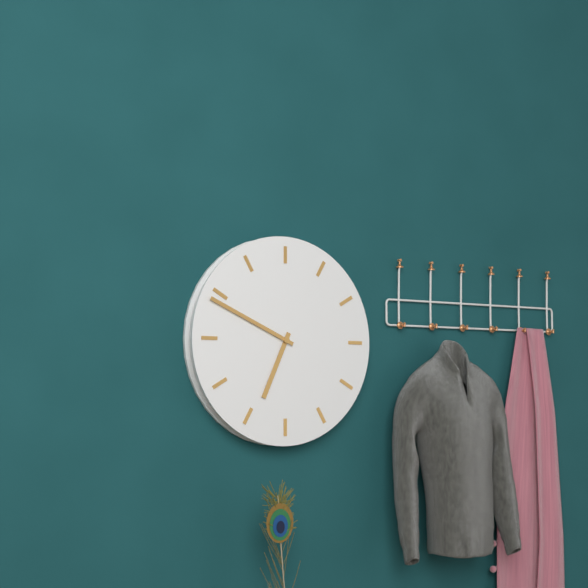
6:49
